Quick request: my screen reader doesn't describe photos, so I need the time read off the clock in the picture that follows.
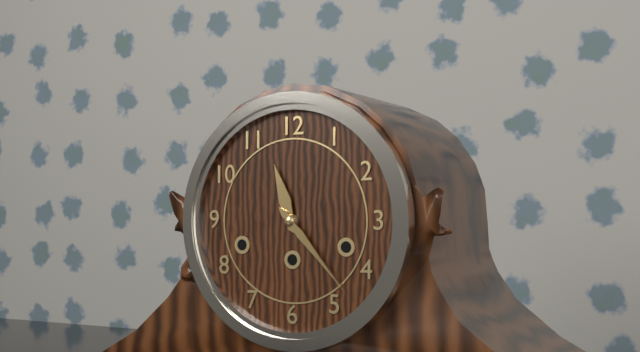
11:23
